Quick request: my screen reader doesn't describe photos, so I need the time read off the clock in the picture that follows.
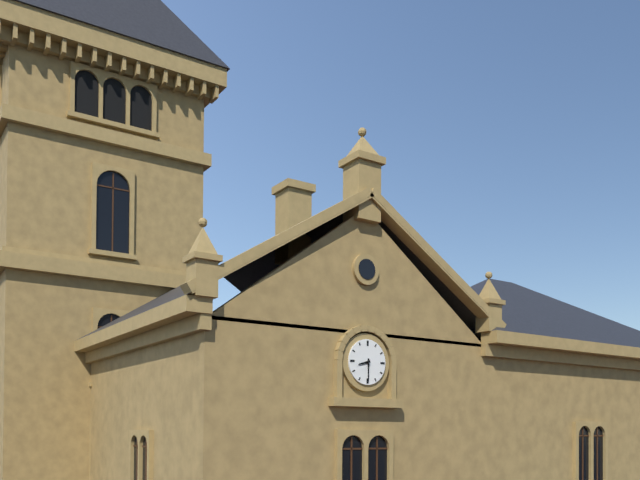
8:30
